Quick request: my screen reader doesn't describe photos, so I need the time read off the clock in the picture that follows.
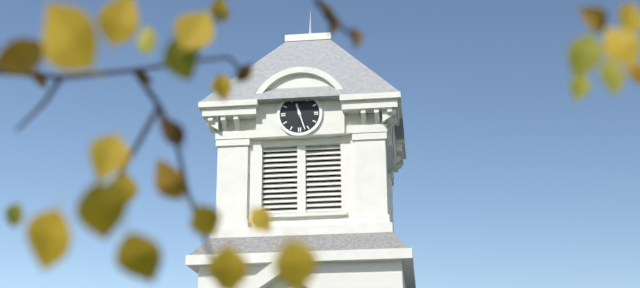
11:27
